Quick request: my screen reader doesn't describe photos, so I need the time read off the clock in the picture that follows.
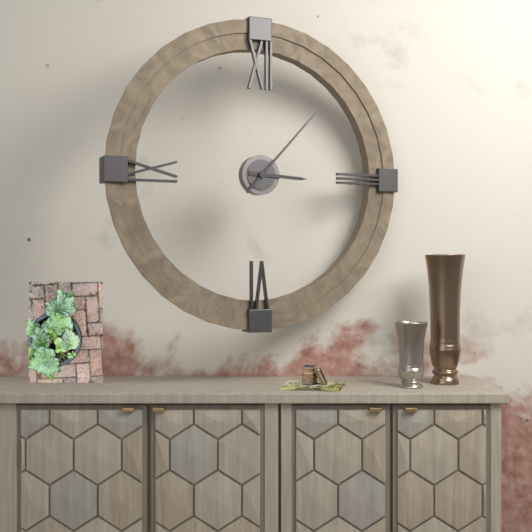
3:07
